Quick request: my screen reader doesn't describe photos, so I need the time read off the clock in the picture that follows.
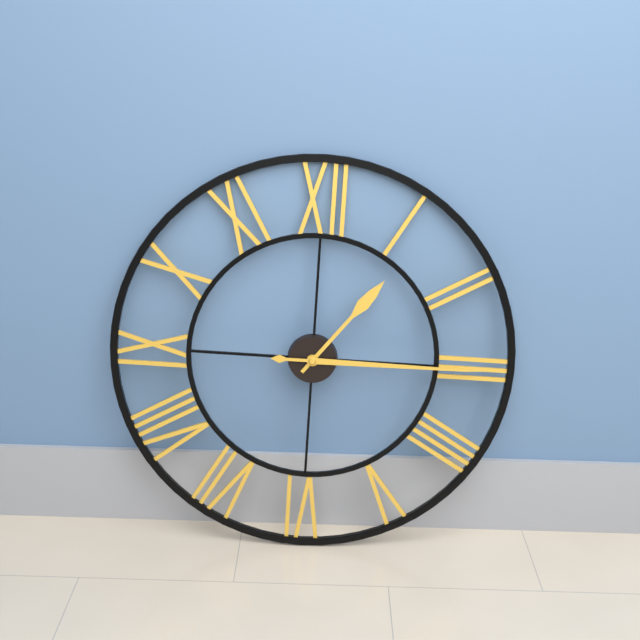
1:15
